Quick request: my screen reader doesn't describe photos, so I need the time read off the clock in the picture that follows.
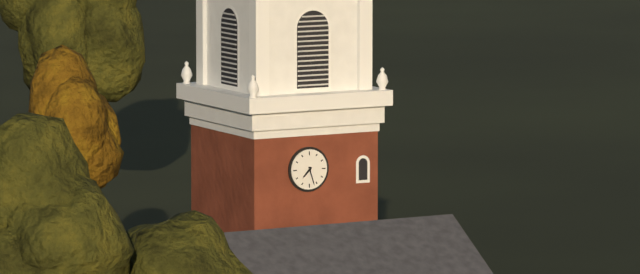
7:27
